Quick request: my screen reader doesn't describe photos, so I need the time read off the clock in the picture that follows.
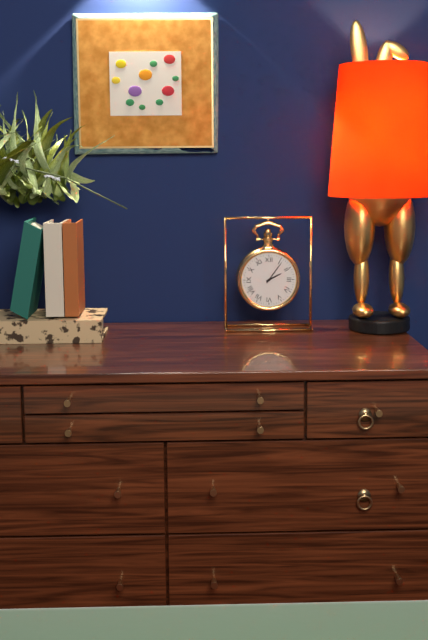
2:06
